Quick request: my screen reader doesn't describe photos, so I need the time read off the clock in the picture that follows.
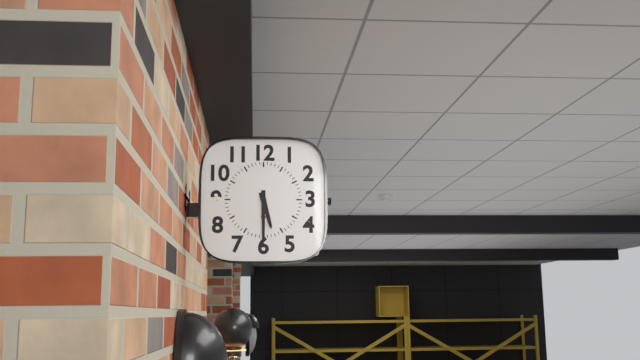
5:30
